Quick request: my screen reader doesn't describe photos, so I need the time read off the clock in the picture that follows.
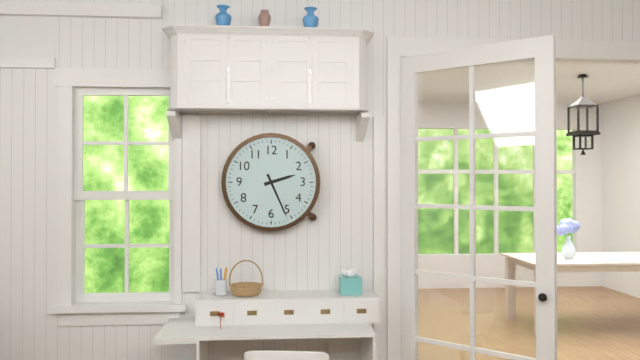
2:26
